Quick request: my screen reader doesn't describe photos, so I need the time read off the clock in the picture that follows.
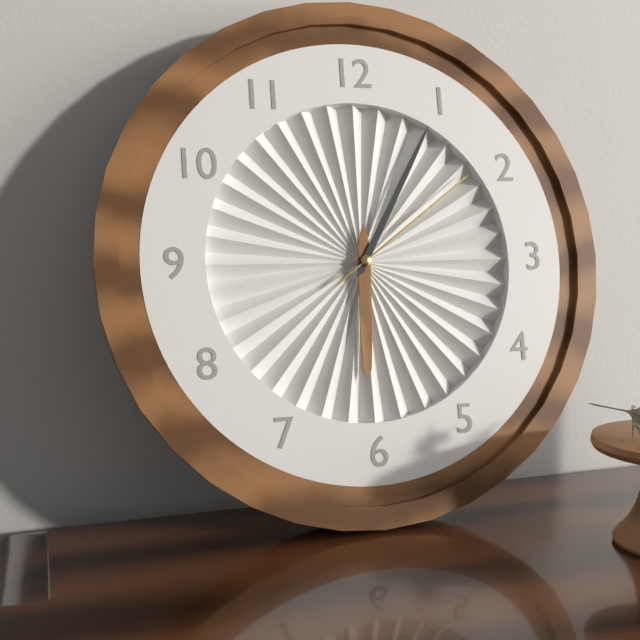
6:05:09
